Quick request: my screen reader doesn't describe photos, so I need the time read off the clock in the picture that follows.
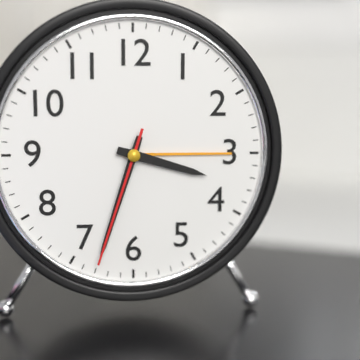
3:33:33
